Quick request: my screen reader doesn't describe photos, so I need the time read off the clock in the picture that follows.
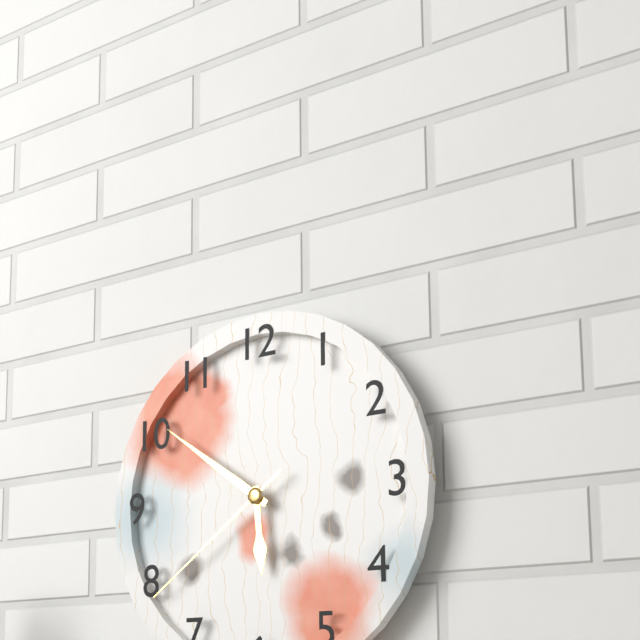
5:51:39
